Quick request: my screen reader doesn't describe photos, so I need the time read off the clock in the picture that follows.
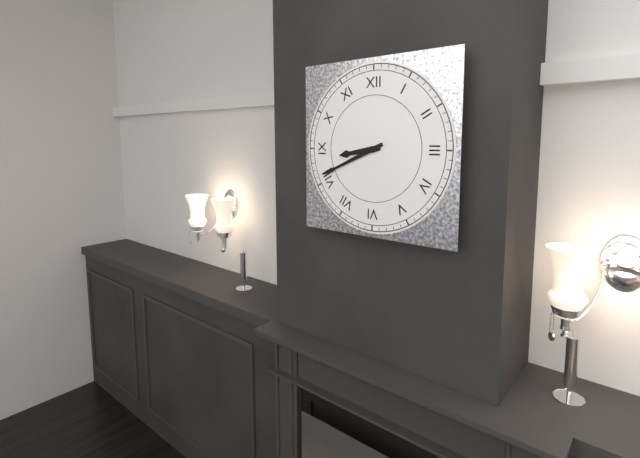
8:41
